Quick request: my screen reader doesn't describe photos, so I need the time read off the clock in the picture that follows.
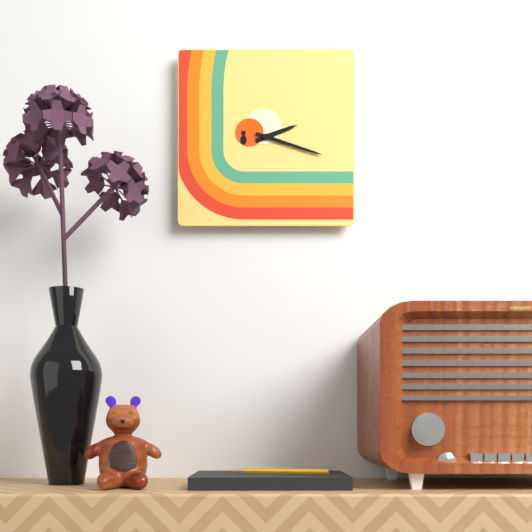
2:18
